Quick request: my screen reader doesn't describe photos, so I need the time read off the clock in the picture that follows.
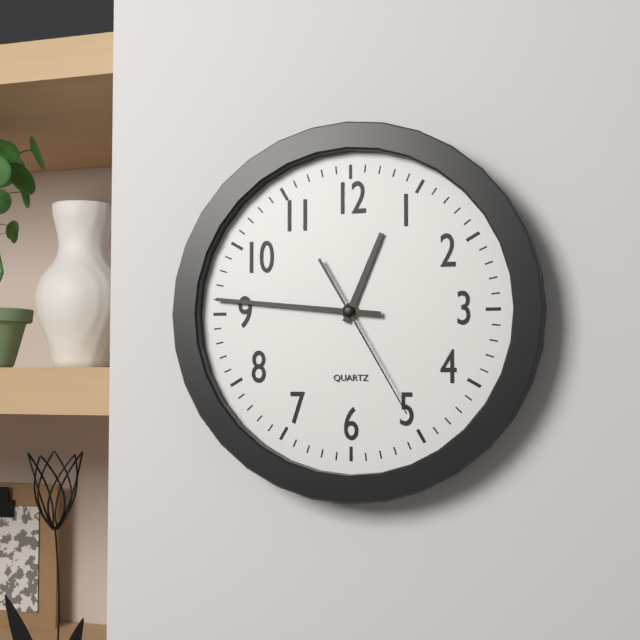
12:46:25
